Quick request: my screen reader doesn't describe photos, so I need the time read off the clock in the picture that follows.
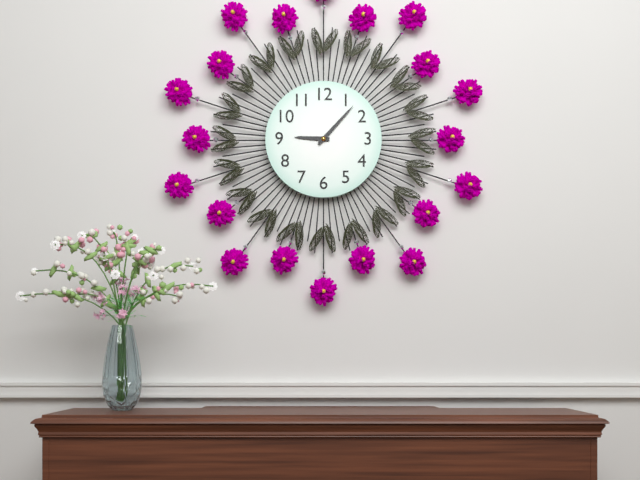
9:07
